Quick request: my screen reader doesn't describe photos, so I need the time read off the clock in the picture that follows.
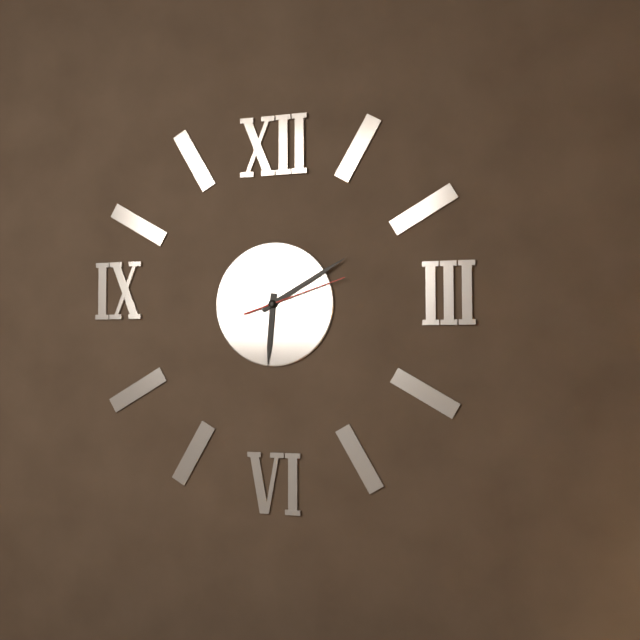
6:10:12
